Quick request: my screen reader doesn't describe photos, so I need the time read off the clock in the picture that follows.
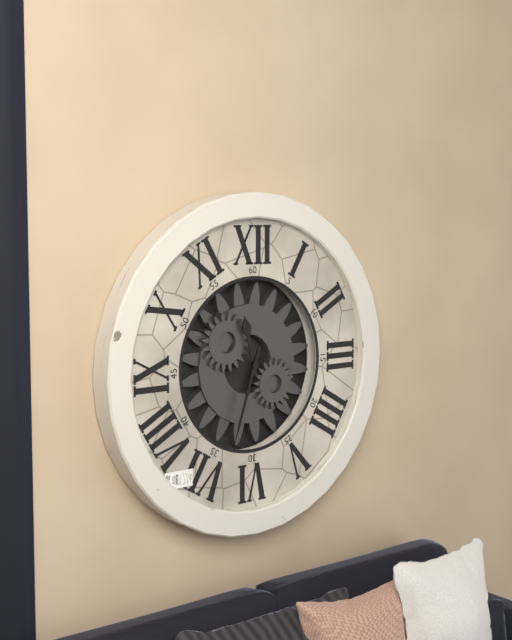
11:33
